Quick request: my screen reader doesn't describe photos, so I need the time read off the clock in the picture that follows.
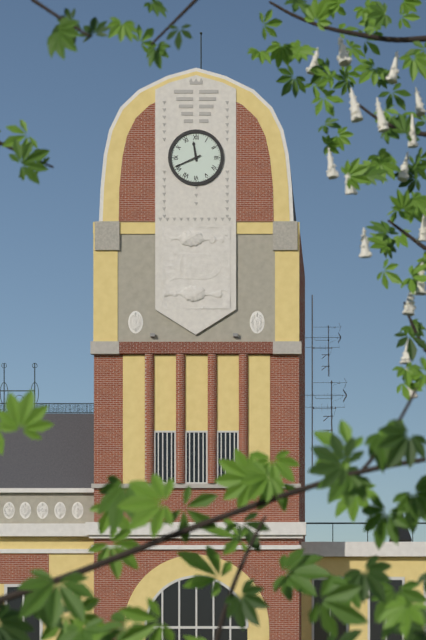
11:41
